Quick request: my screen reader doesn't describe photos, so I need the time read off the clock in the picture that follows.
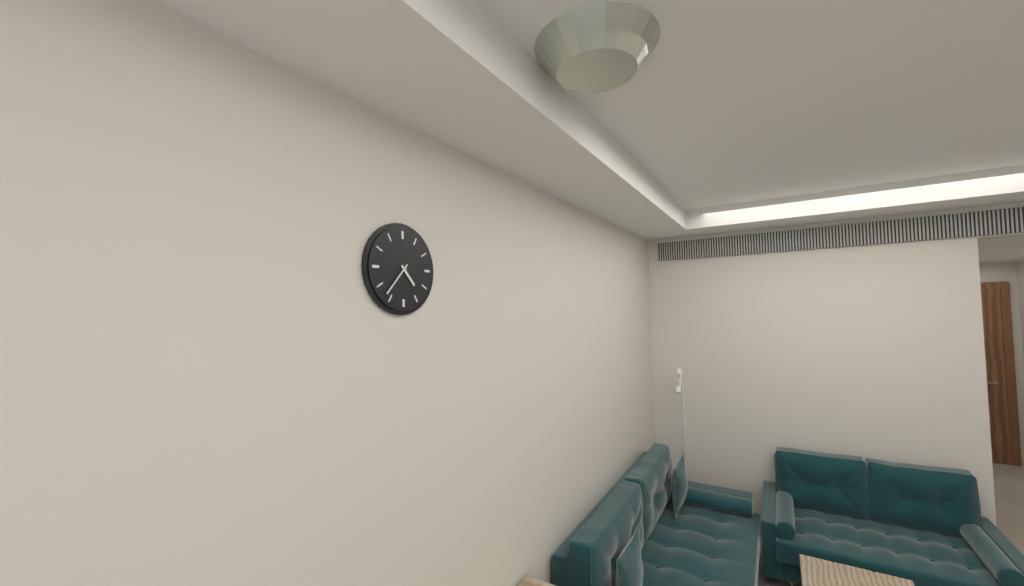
4:37
